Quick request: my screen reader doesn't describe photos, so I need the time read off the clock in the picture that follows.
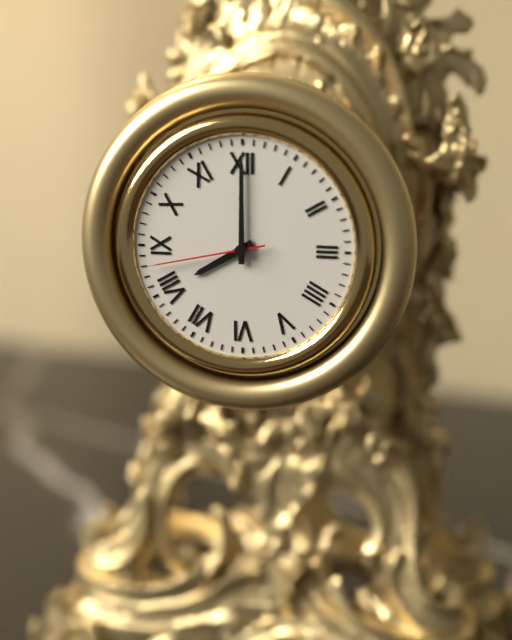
8:00:43
